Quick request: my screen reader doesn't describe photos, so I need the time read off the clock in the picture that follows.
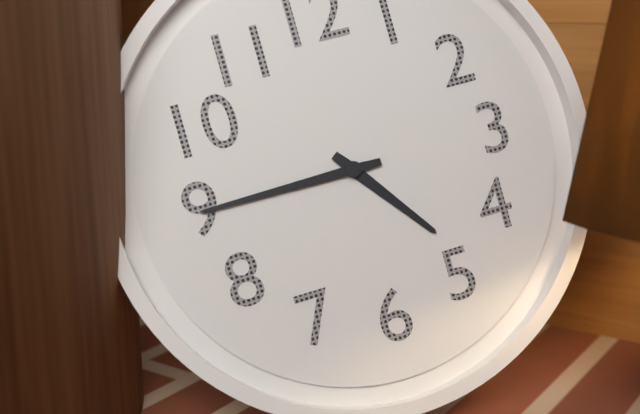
4:45
